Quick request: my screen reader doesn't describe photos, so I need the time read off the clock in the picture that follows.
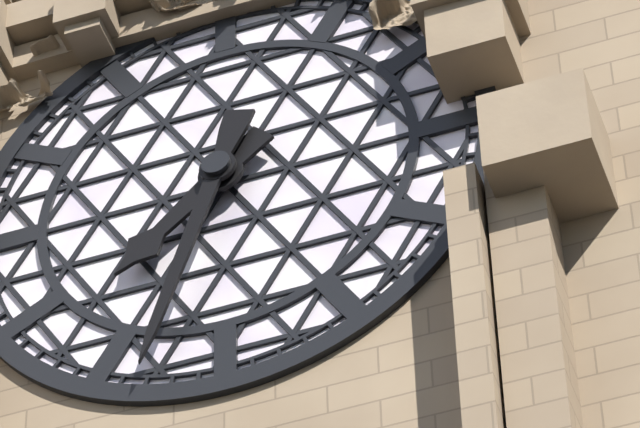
7:33
